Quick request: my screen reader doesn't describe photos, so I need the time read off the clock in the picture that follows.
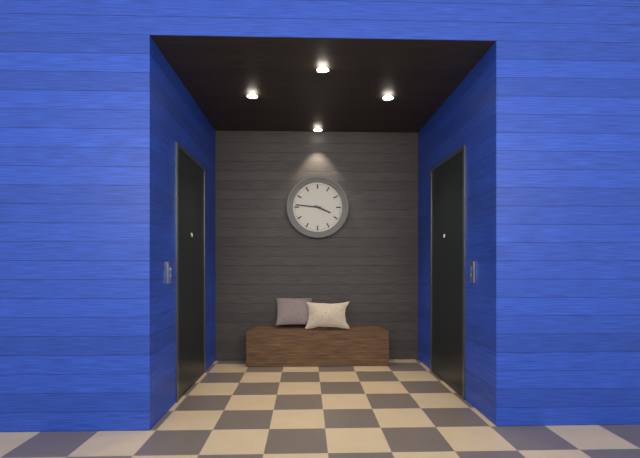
3:46
